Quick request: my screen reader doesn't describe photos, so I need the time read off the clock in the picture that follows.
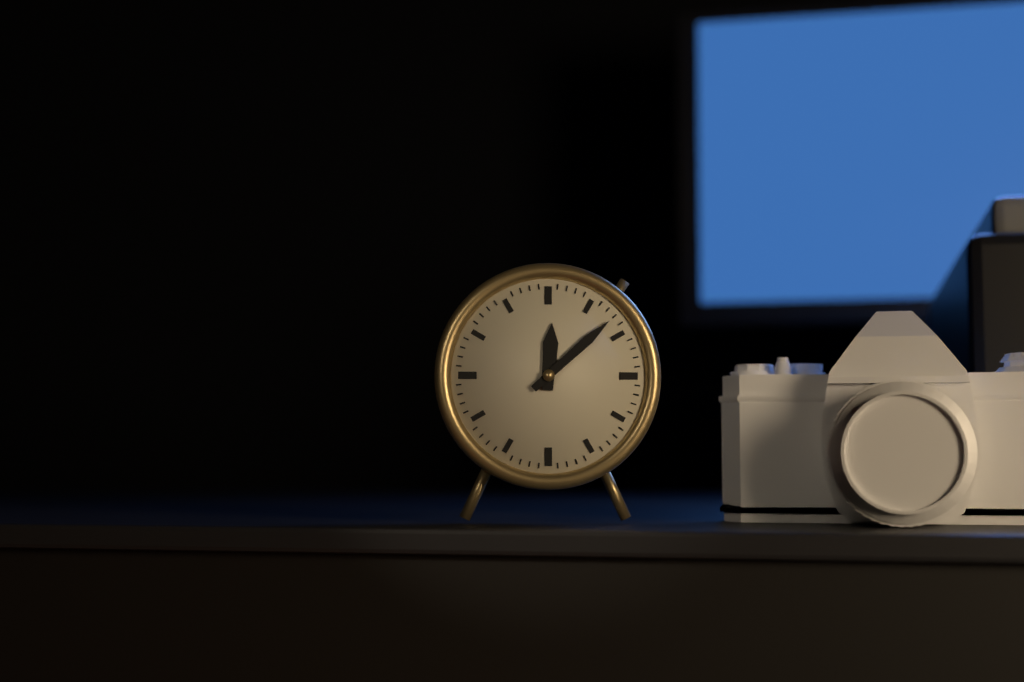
12:08
